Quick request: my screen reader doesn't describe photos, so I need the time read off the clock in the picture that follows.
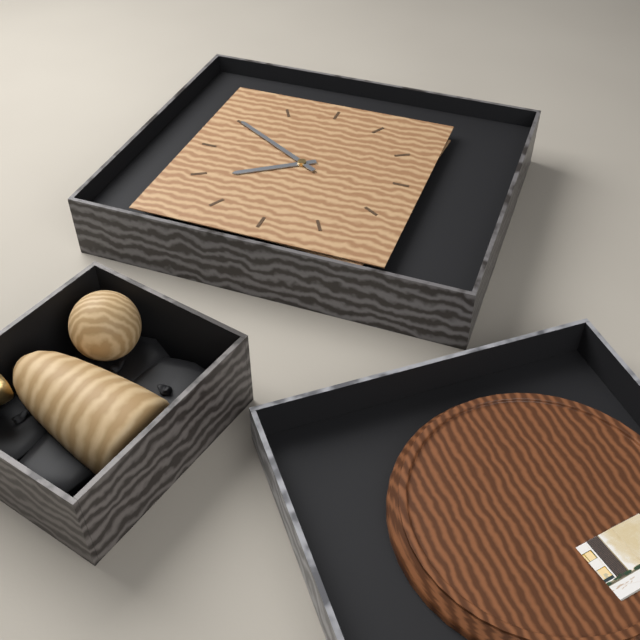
7:50
